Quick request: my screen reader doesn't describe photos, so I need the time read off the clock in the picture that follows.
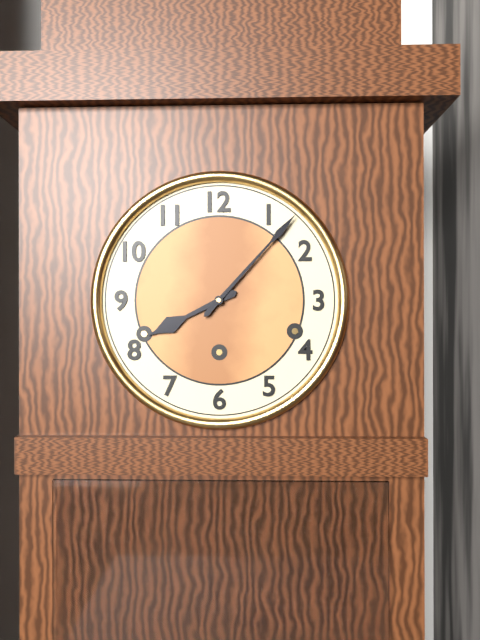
8:07
